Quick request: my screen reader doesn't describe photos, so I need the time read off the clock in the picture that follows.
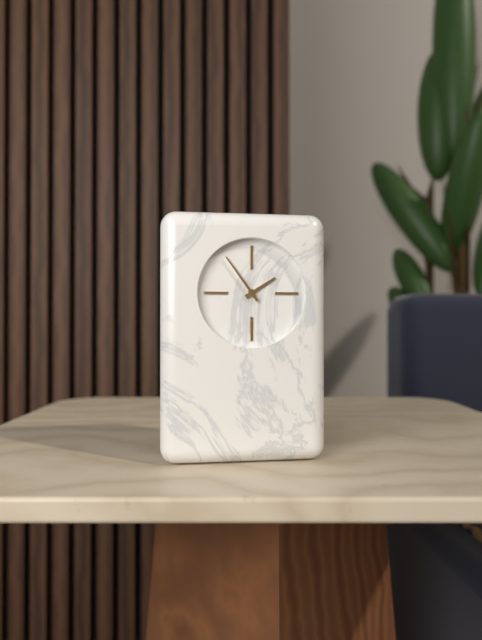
1:54
